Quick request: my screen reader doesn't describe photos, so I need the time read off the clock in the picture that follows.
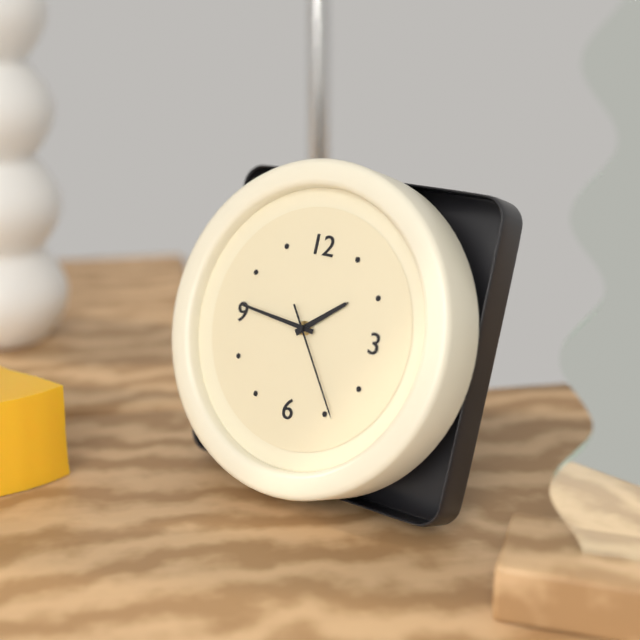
1:46:24
